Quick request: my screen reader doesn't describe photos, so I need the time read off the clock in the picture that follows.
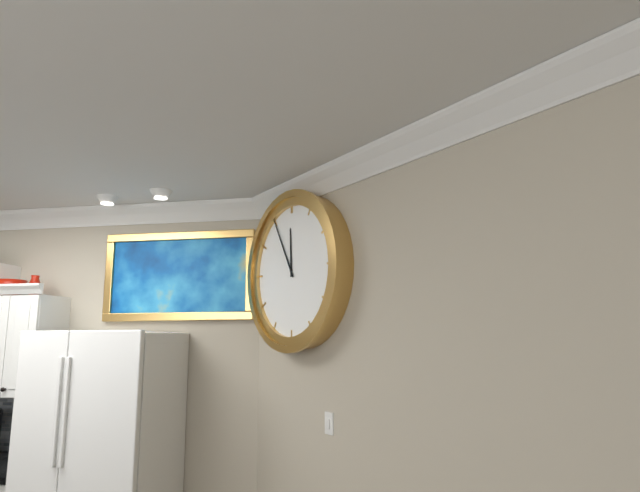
11:55
